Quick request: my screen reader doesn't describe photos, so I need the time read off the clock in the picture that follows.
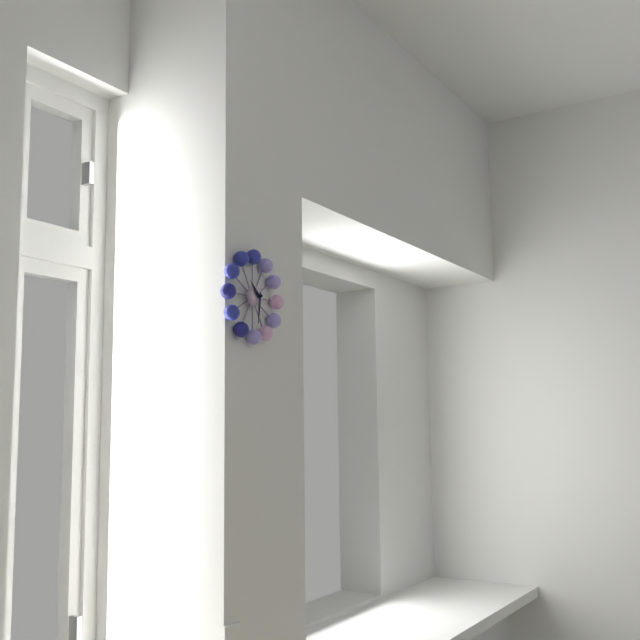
10:31
